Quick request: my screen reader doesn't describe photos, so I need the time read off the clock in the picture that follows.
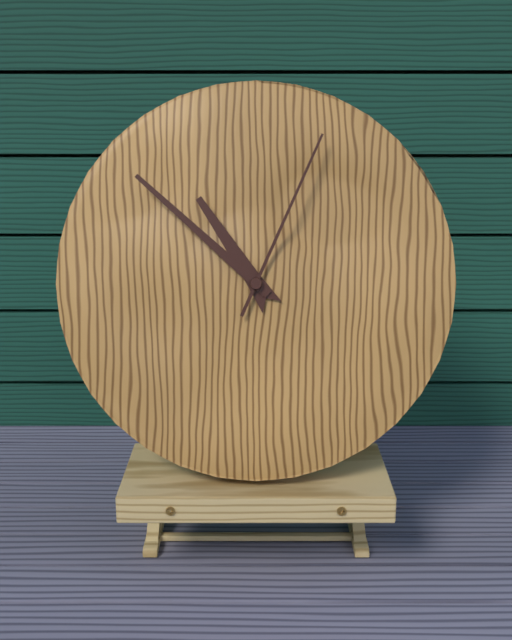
10:52:04
